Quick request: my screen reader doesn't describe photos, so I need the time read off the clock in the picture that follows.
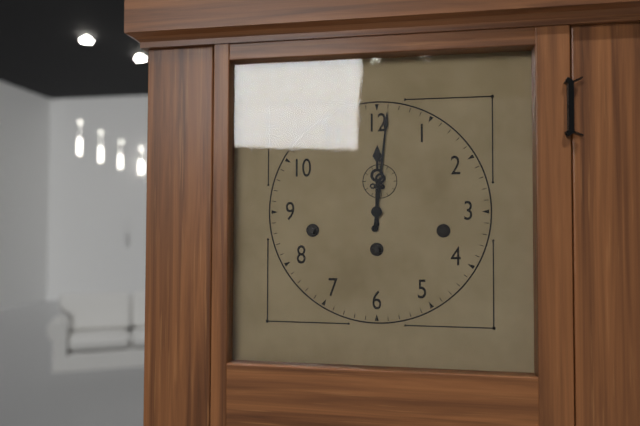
12:01
